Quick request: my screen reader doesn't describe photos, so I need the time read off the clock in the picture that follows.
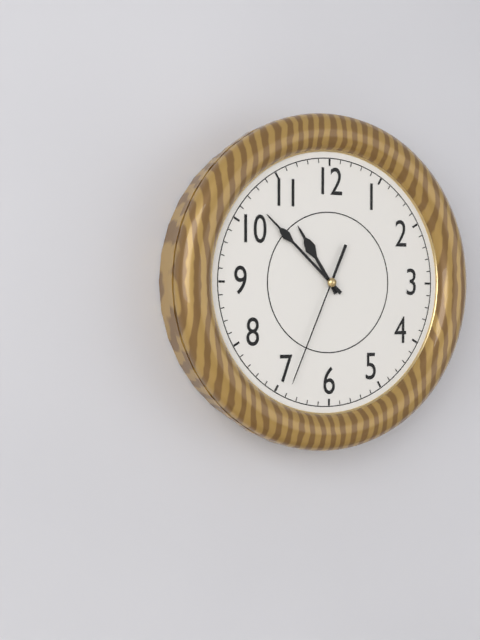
10:52:34
